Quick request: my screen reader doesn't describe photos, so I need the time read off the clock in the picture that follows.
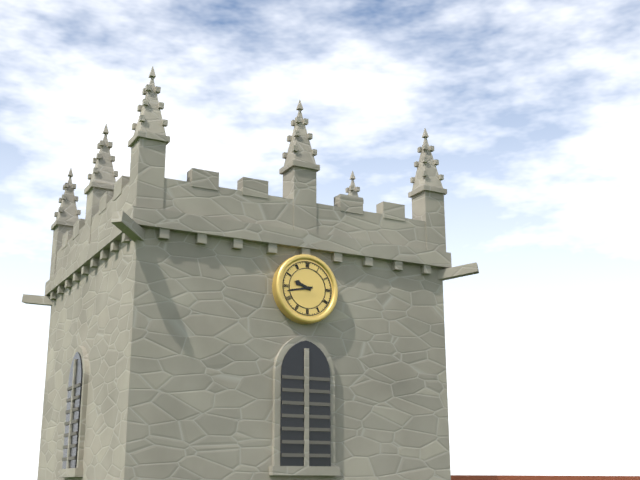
9:43
